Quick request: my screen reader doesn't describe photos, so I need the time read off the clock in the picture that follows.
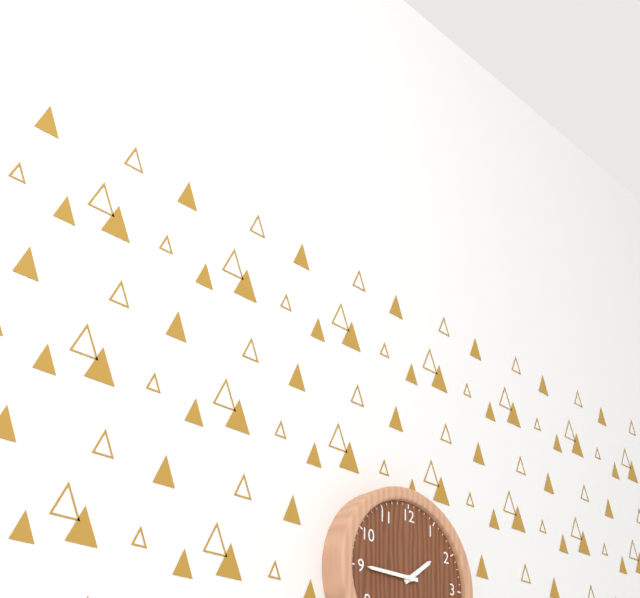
1:45
